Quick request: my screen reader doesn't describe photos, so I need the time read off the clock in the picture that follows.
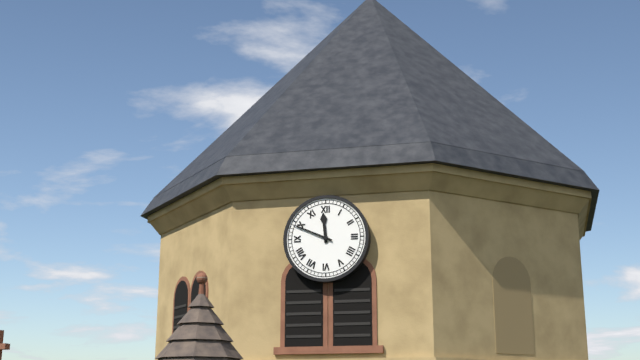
11:49
